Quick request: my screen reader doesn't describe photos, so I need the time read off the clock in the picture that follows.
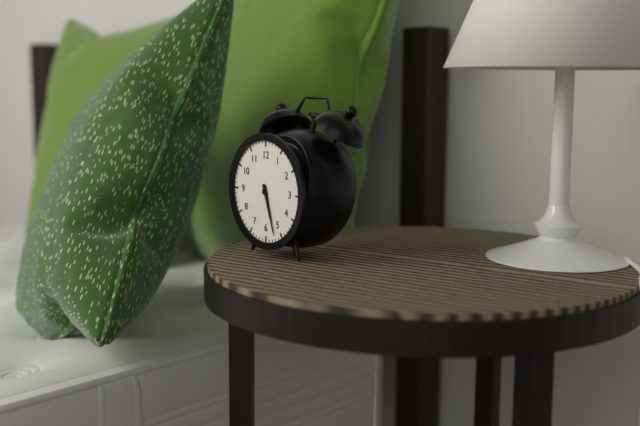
5:27
